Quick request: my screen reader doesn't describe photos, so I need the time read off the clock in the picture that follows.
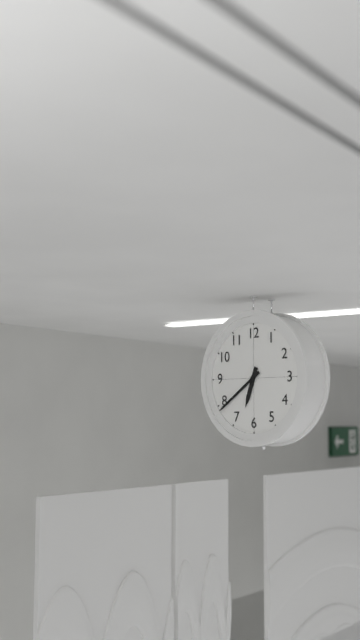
6:39
